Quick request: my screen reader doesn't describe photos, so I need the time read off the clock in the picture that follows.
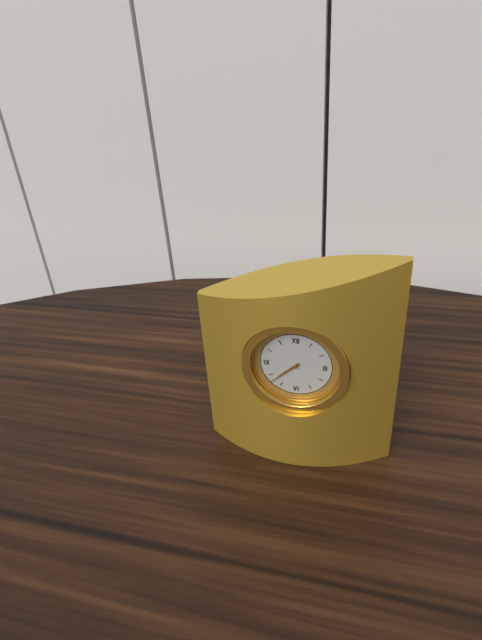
7:38
